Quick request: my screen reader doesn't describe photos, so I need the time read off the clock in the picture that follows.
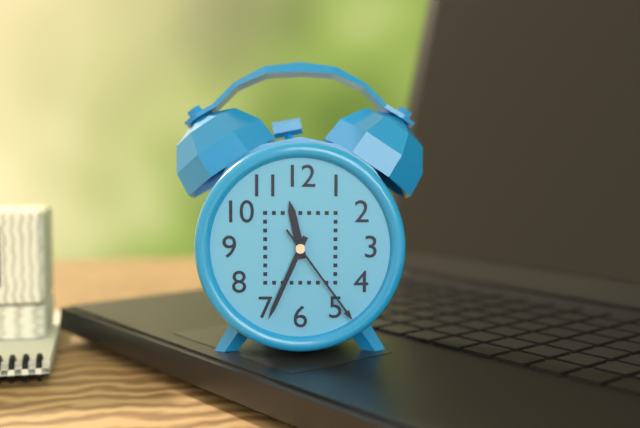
11:34:24
